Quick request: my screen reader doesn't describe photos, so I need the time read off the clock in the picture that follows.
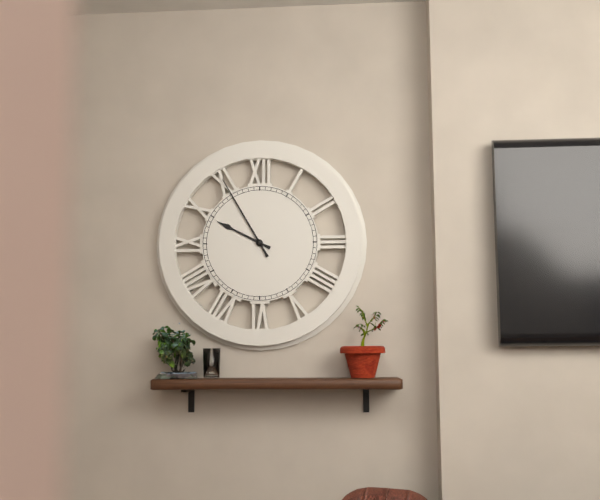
9:55
